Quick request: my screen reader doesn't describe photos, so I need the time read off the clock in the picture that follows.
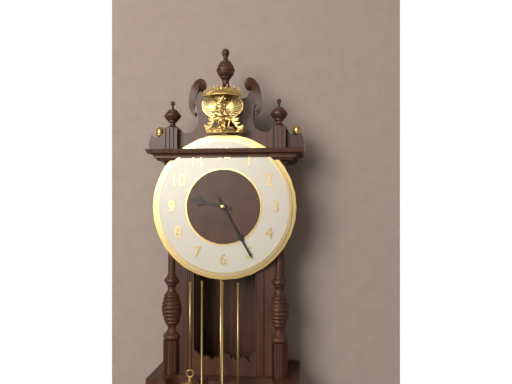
9:25
